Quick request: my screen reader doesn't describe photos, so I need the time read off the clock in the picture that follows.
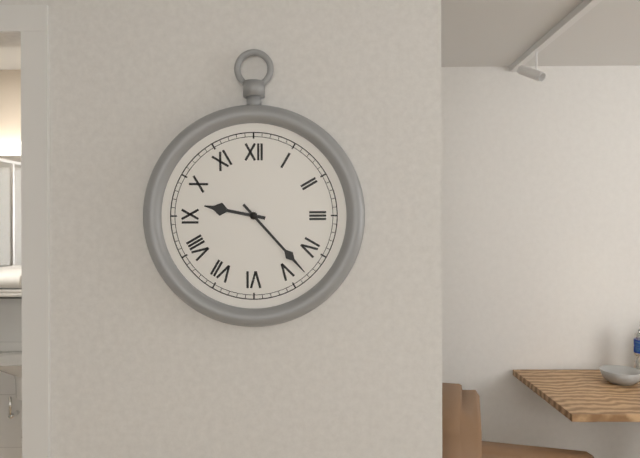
9:23
